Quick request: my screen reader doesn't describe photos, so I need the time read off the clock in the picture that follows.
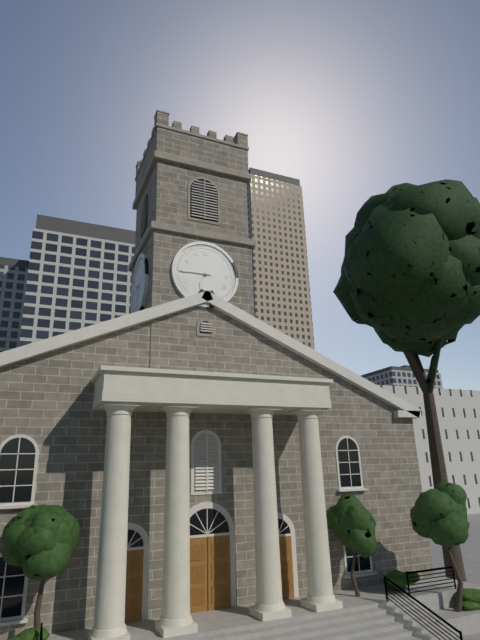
6:45
